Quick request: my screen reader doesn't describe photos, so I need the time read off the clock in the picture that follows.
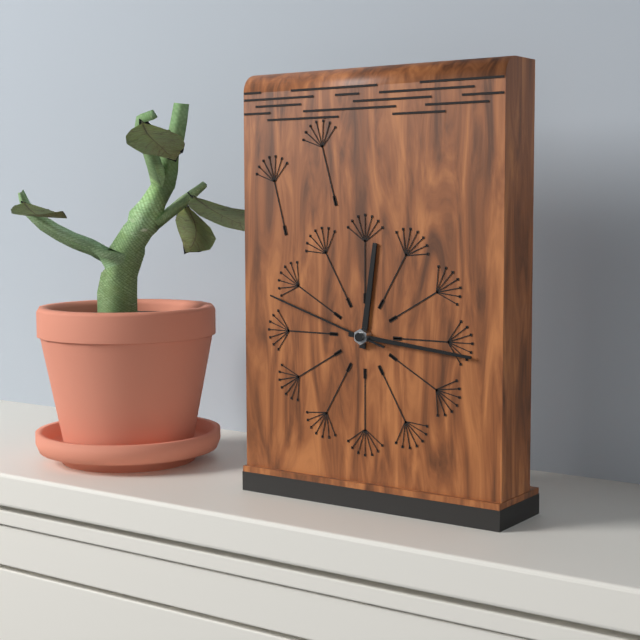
12:16:48
